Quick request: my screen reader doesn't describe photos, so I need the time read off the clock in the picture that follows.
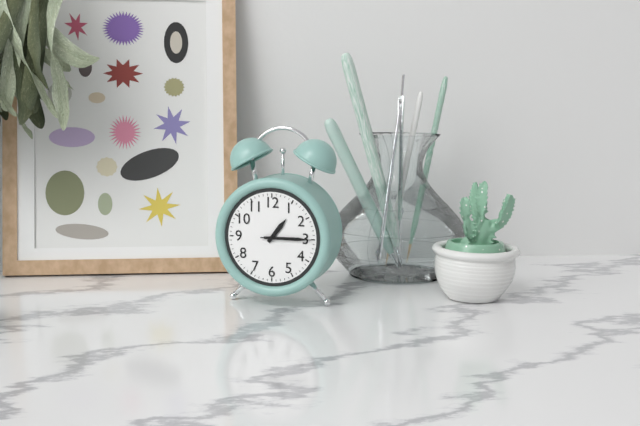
1:15
